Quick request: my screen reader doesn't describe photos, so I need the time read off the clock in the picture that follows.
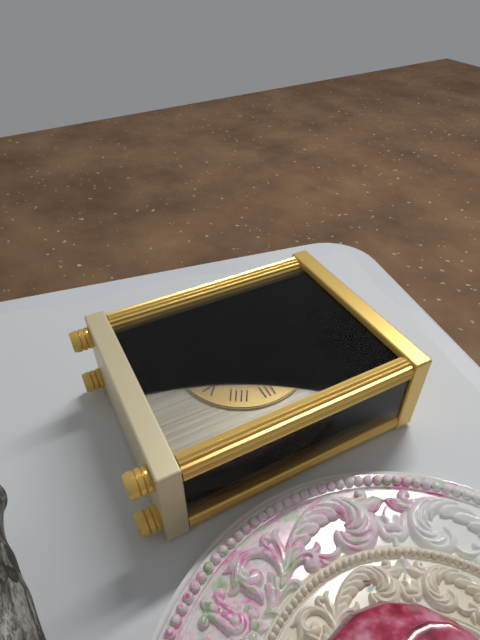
5:41
